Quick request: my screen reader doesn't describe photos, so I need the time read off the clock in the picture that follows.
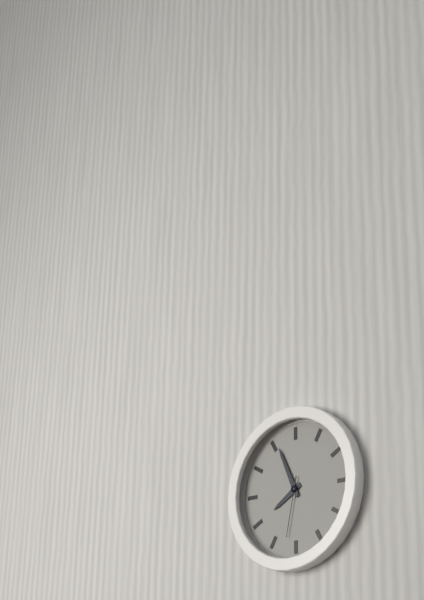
7:56:32
